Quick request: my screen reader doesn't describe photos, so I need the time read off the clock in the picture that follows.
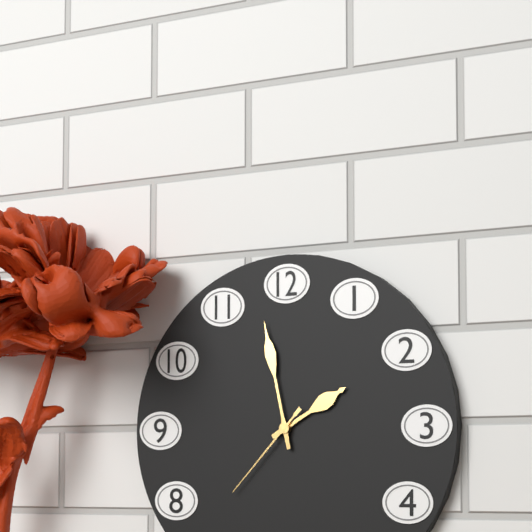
1:58:37
